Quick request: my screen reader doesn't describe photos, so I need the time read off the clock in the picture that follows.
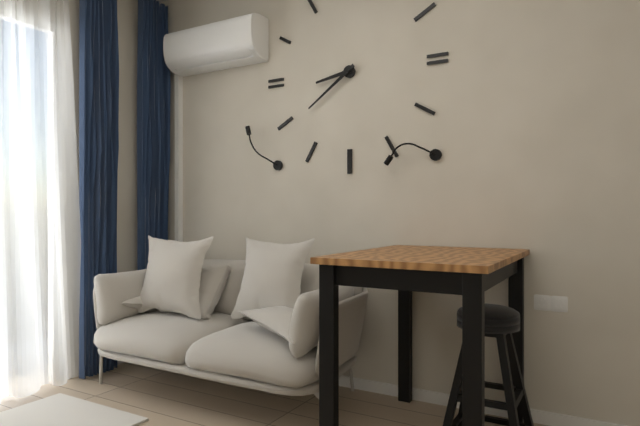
8:39
